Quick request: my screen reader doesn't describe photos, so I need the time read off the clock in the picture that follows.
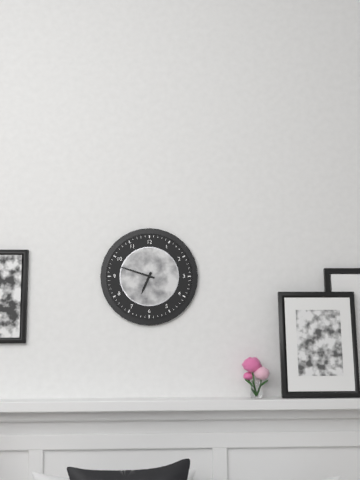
6:48
